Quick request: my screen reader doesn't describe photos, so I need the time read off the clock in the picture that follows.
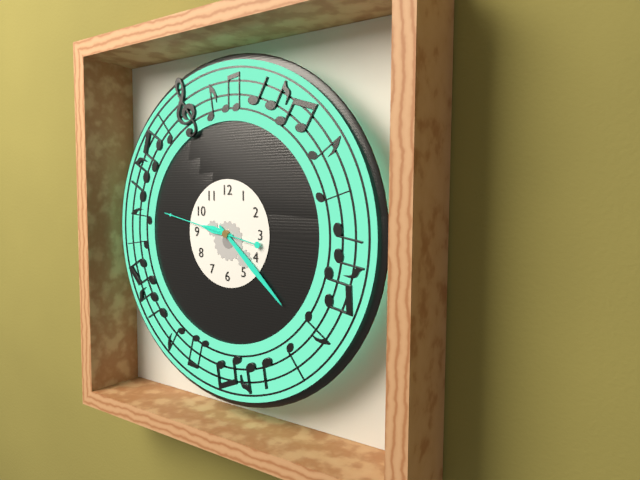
9:22:47
